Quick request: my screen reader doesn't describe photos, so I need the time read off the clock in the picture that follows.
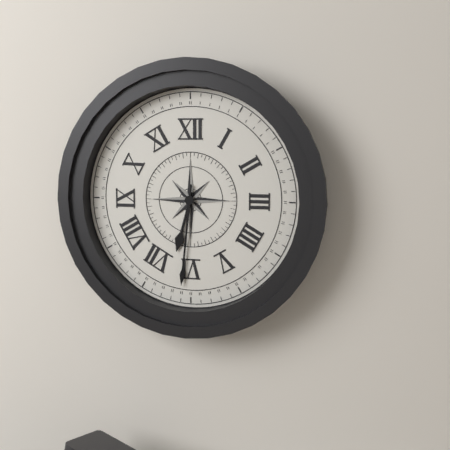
6:31
